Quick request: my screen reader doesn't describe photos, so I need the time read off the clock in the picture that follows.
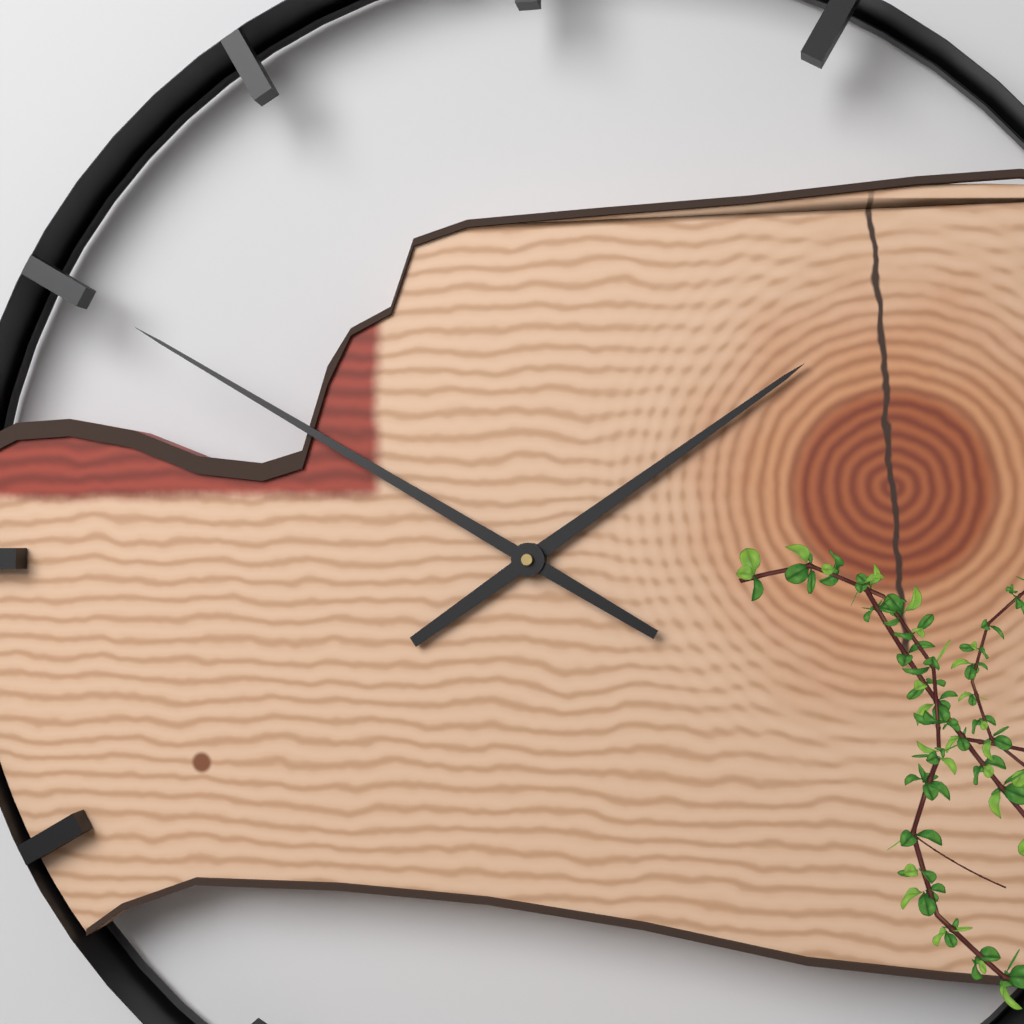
1:50
